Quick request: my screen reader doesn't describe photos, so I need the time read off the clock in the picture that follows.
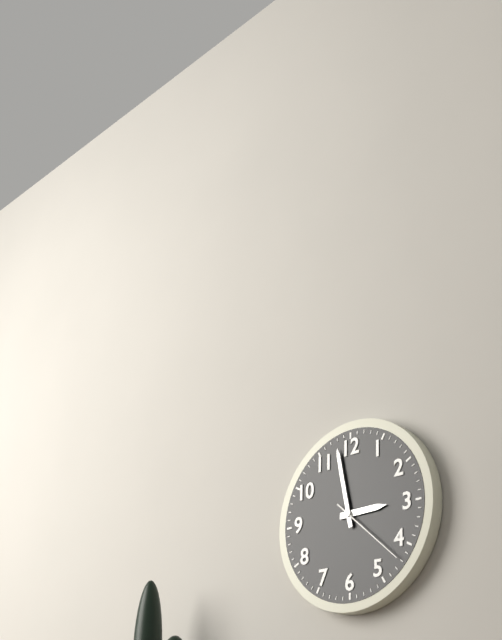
2:58:22
